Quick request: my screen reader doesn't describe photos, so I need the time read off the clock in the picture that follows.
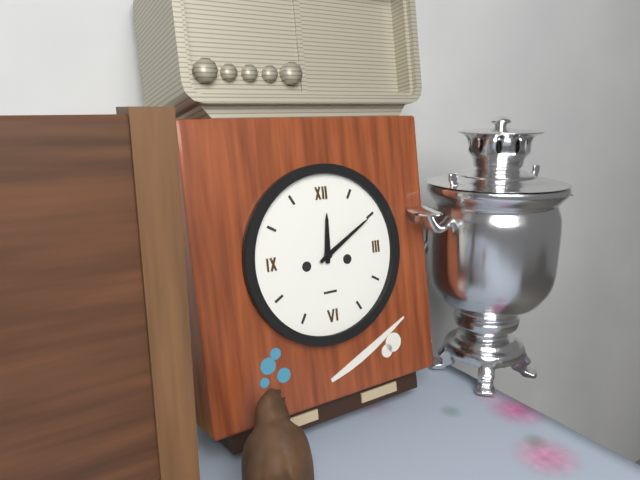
12:10
